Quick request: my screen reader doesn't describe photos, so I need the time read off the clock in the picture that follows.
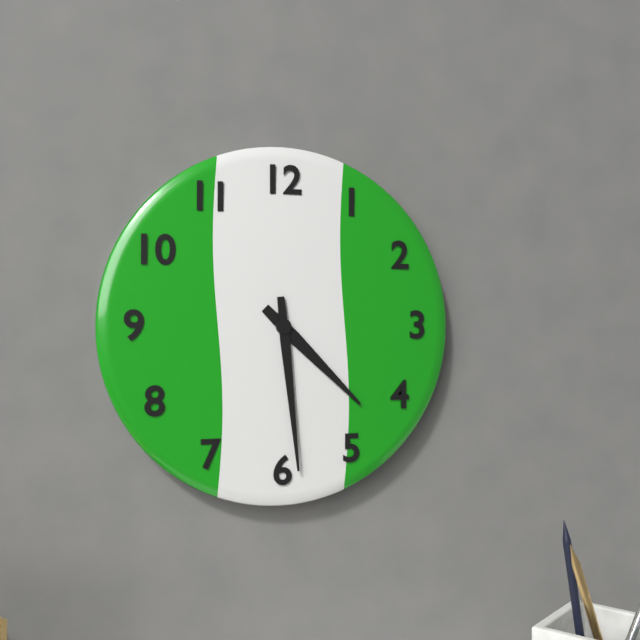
4:29
